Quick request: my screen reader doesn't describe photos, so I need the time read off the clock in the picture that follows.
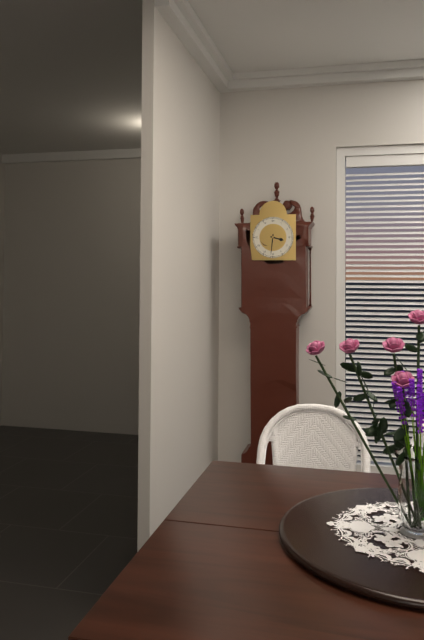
3:31
